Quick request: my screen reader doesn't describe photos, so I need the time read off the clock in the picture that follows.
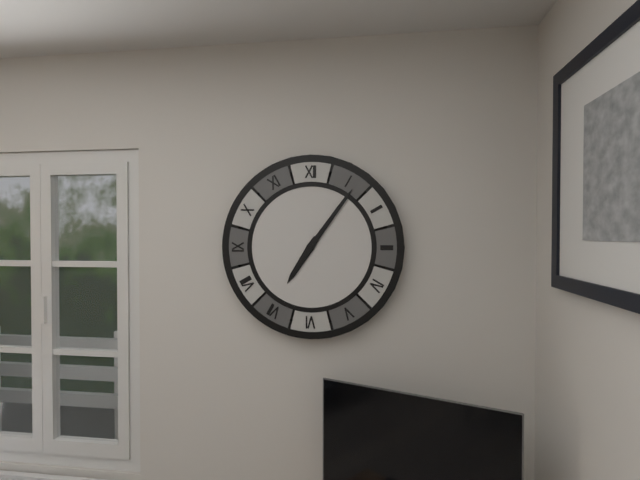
7:06
